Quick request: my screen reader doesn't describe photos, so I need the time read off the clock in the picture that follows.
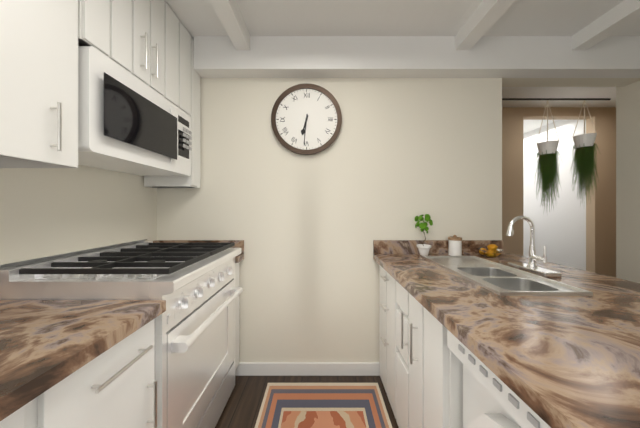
6:31
